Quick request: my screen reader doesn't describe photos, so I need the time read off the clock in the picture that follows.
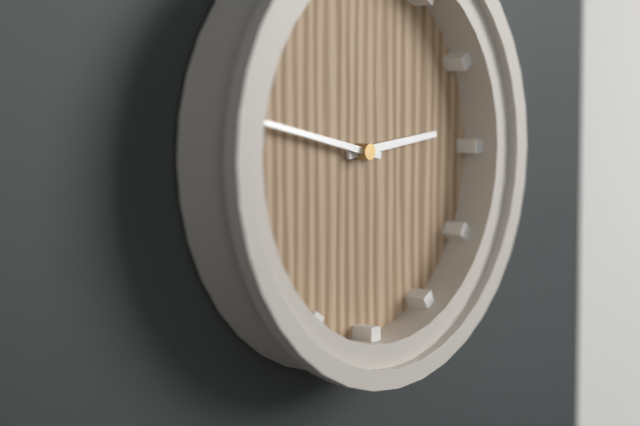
2:47
